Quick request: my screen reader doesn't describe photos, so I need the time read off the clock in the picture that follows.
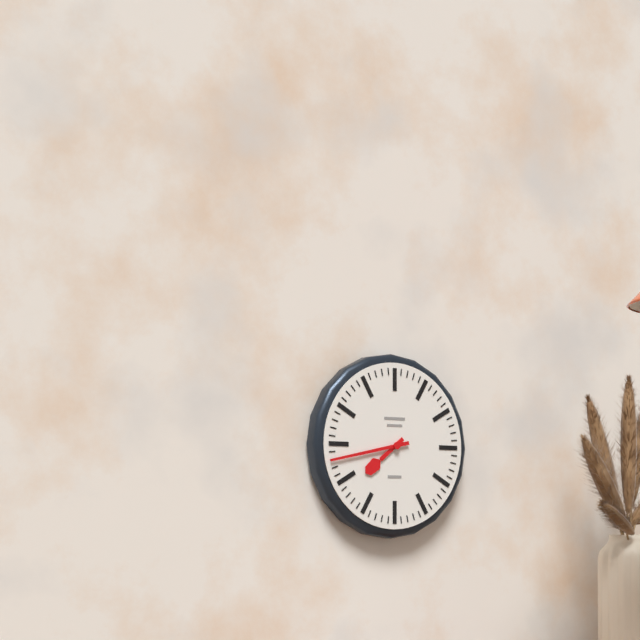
7:43
